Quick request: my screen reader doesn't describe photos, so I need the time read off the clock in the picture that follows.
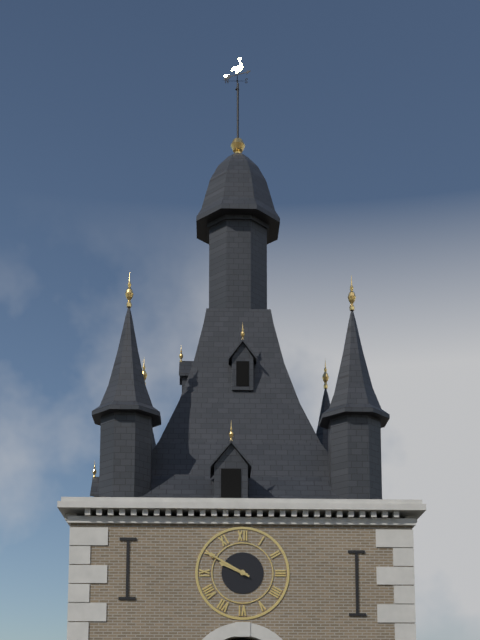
9:50
